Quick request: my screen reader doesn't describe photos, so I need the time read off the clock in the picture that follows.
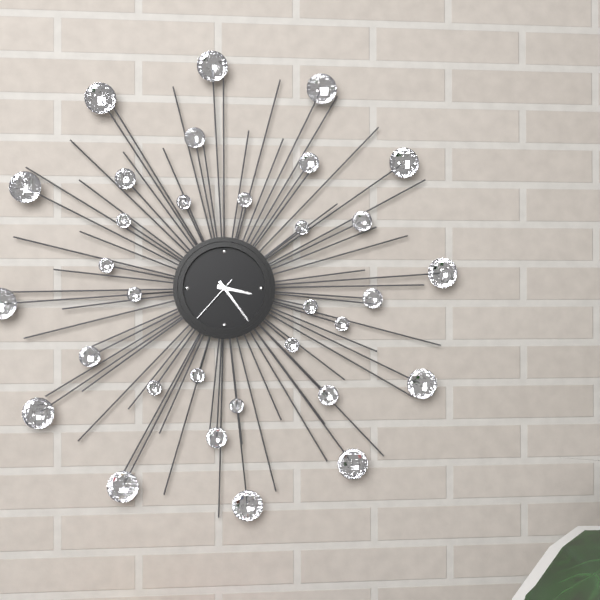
3:24:37
